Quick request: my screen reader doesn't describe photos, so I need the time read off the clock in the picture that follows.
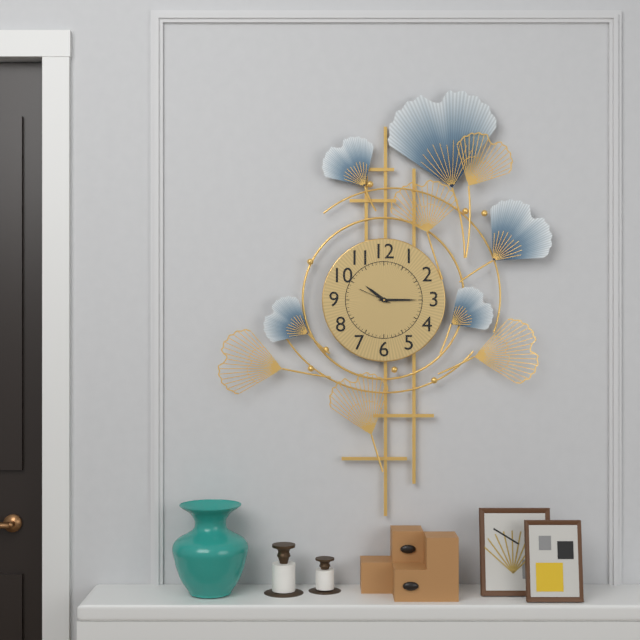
10:15
